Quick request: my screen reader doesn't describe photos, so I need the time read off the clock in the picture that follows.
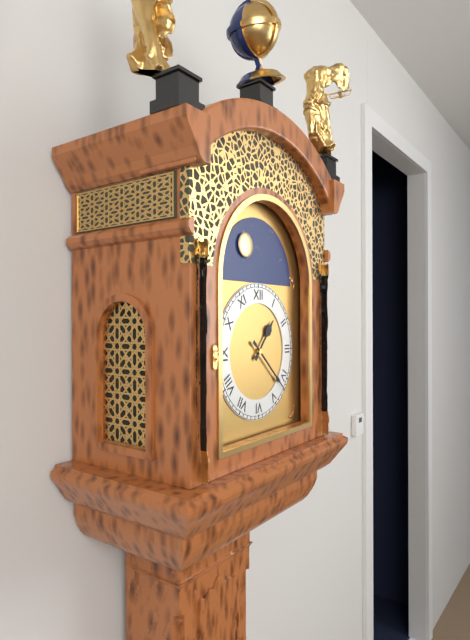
1:22
